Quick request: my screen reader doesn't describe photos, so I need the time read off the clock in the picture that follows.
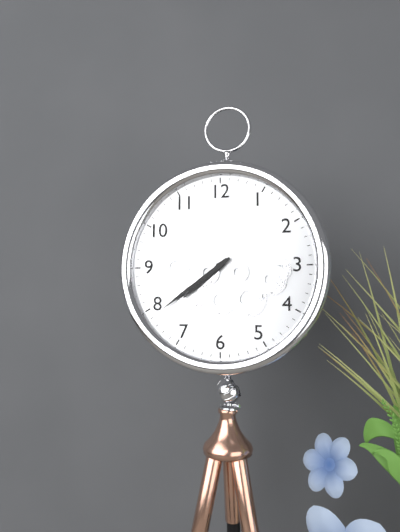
7:39
